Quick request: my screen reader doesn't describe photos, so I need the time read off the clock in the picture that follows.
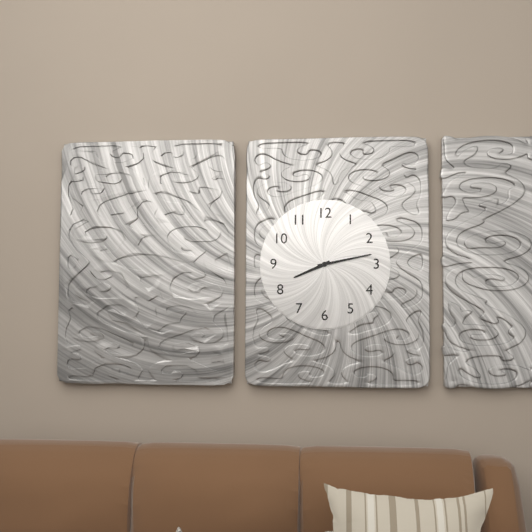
8:13
